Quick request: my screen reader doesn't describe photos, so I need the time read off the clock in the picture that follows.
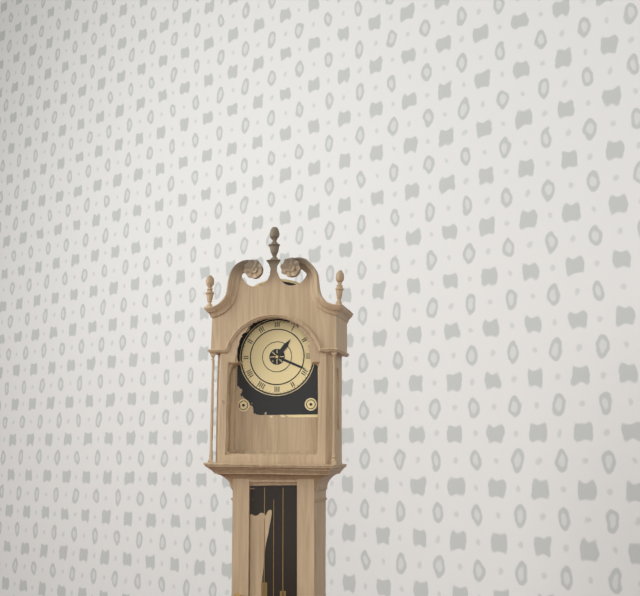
1:19
